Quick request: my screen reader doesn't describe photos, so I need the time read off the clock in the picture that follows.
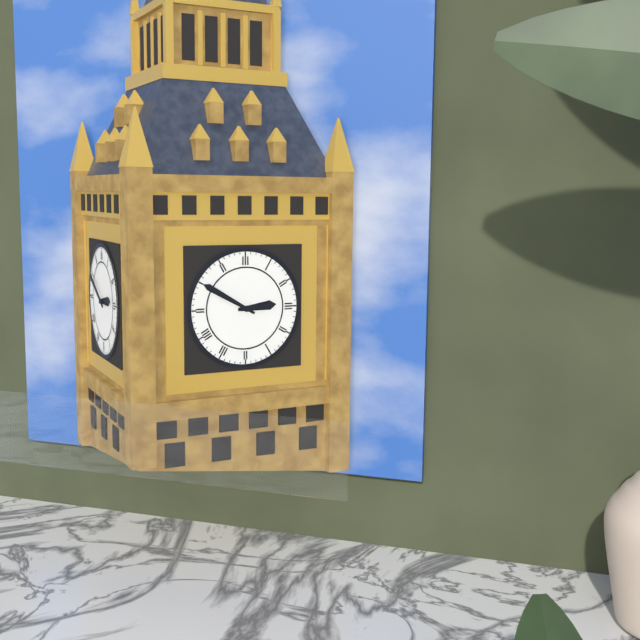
2:50
